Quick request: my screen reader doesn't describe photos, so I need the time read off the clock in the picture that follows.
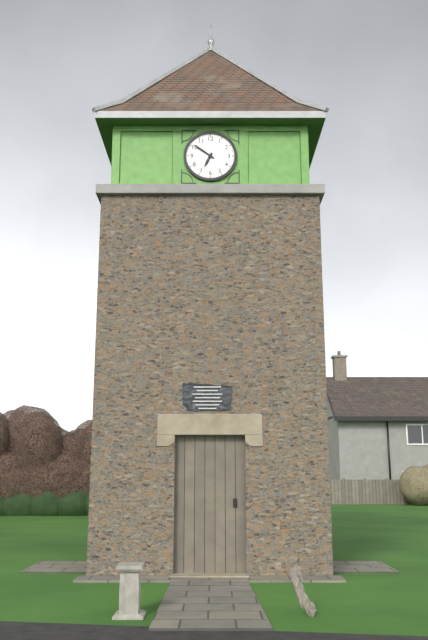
6:51
